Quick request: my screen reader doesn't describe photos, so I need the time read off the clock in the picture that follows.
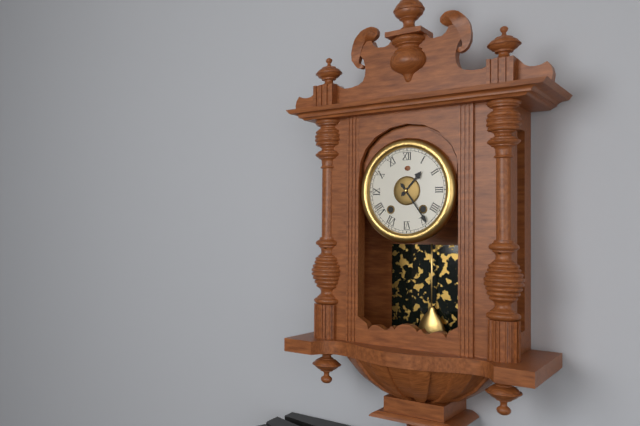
1:24
